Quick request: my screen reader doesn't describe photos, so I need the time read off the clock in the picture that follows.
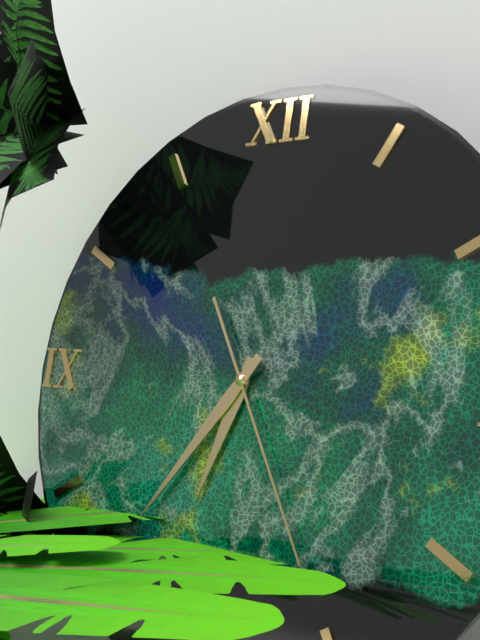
6:36:25
